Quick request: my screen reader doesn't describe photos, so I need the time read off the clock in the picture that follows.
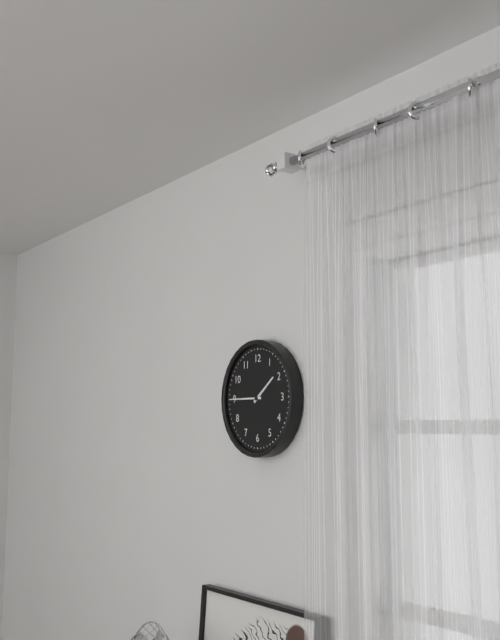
1:45
